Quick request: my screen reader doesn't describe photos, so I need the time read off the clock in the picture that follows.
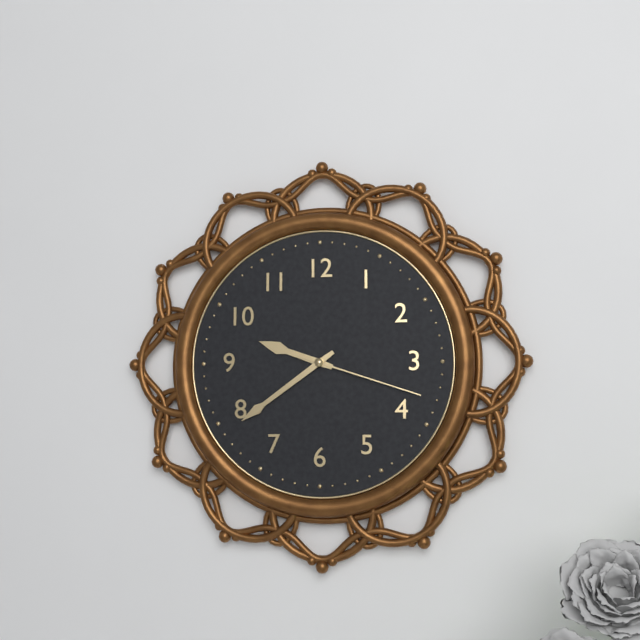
9:39:18
